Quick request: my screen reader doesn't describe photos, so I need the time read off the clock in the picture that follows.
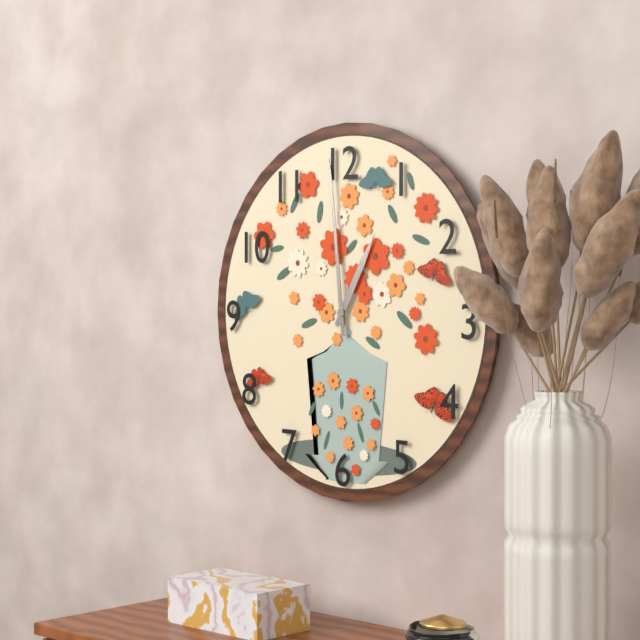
12:59
